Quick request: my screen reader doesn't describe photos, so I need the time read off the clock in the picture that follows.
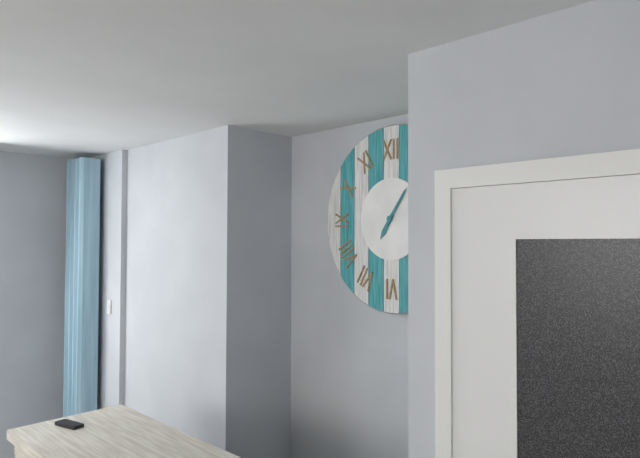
7:06
